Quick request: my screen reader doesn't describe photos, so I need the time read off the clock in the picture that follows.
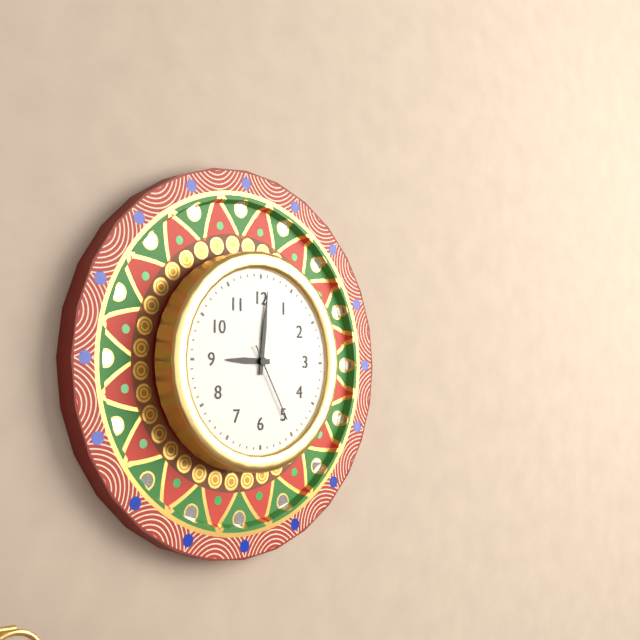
9:01:25
